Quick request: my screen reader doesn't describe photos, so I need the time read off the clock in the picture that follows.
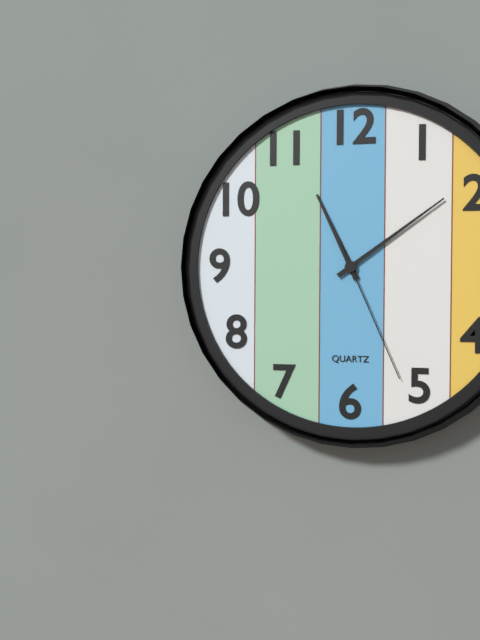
11:09:26
